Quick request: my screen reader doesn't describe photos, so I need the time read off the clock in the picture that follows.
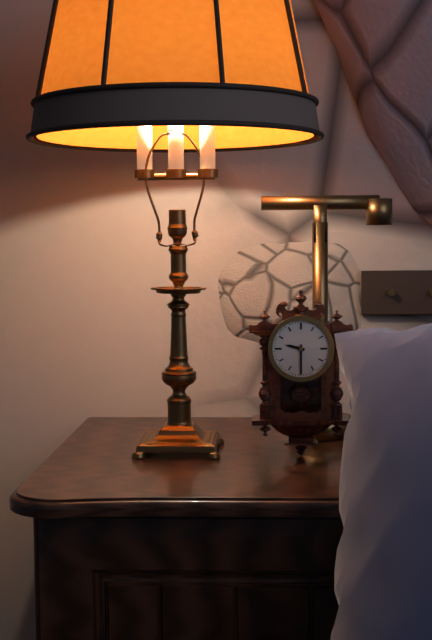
9:30
